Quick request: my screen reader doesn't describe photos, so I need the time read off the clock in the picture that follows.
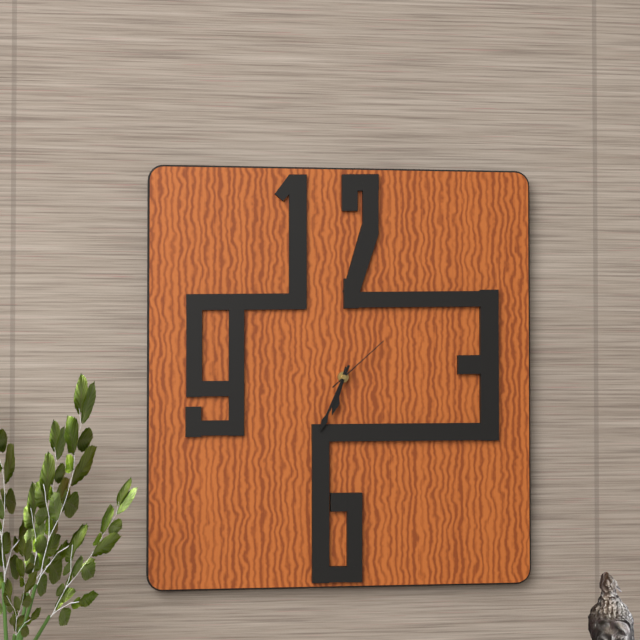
6:34:08
